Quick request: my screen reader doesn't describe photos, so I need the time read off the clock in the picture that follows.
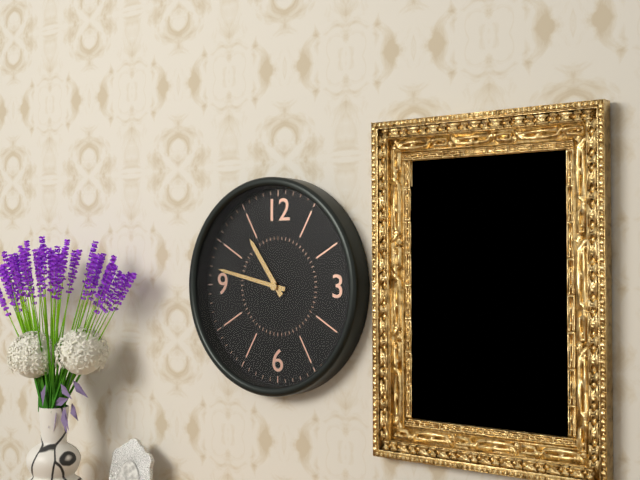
10:47
